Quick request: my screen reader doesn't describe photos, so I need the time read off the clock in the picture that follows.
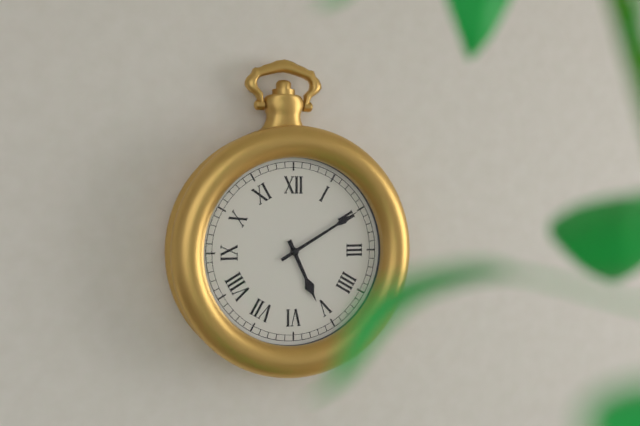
5:10
